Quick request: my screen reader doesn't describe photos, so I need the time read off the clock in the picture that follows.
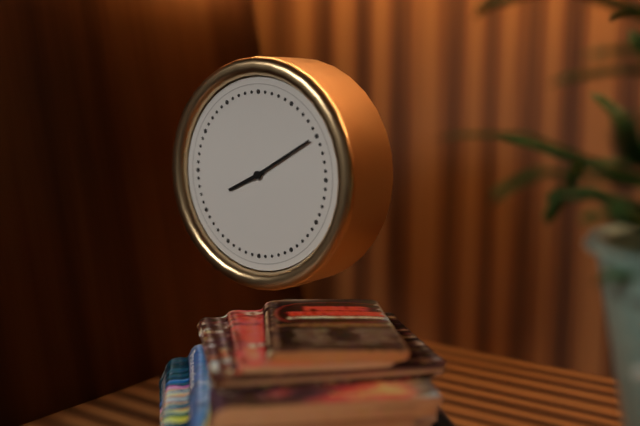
8:10
